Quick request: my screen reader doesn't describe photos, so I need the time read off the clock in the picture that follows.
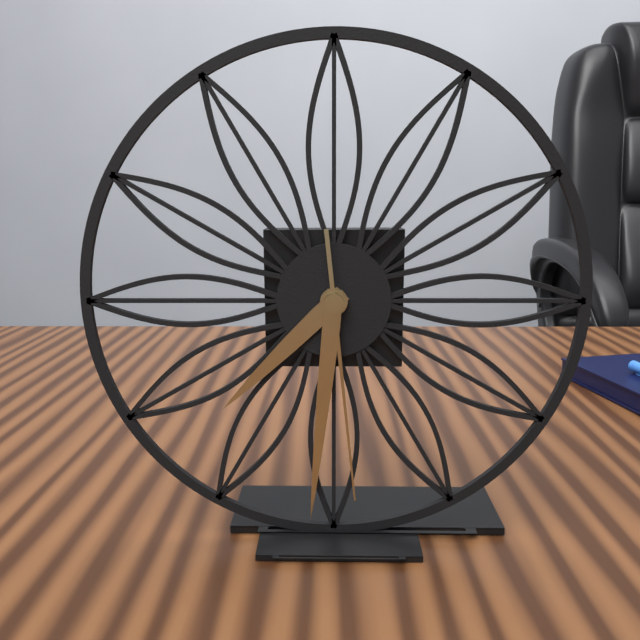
7:31:29
